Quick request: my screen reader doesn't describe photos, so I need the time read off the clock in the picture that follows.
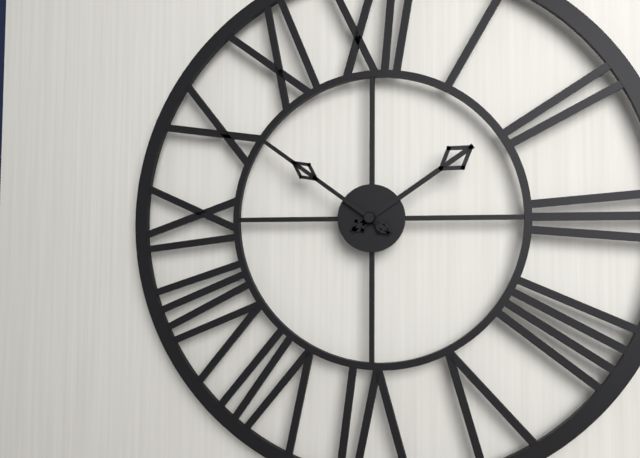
1:51
